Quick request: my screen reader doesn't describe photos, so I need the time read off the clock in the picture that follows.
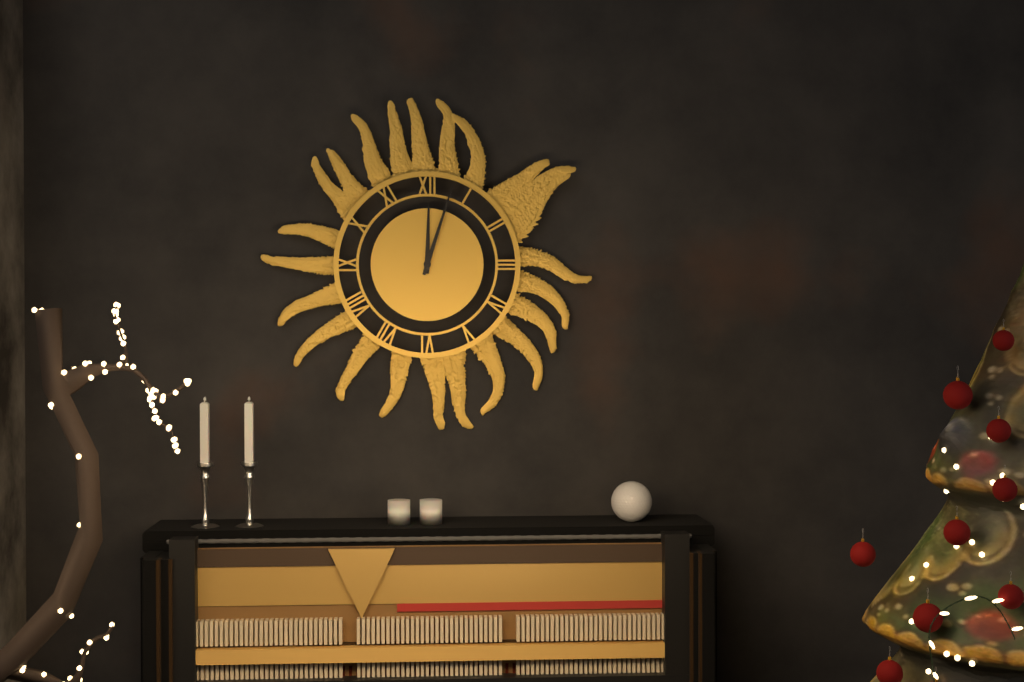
12:03
